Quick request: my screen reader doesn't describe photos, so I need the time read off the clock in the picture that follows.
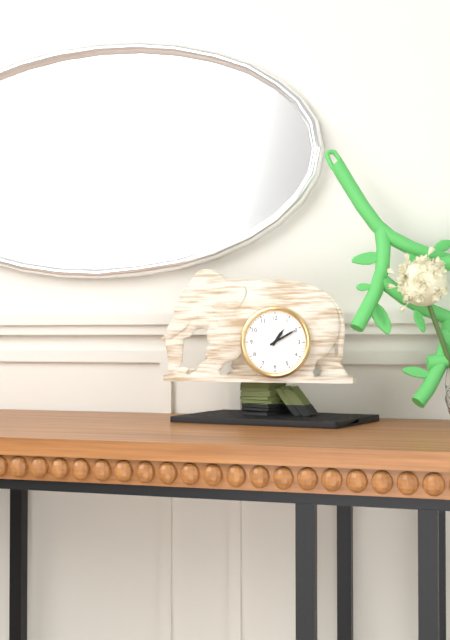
1:10
